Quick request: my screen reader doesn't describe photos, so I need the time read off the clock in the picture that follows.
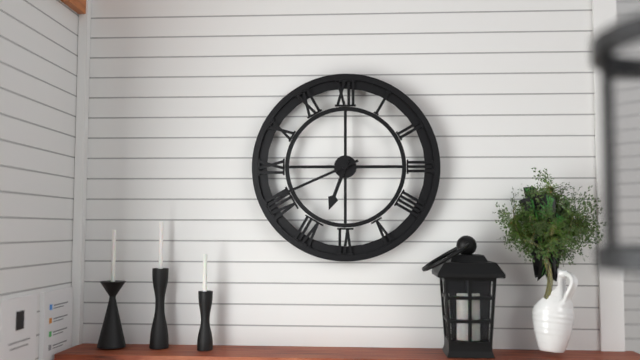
6:41
